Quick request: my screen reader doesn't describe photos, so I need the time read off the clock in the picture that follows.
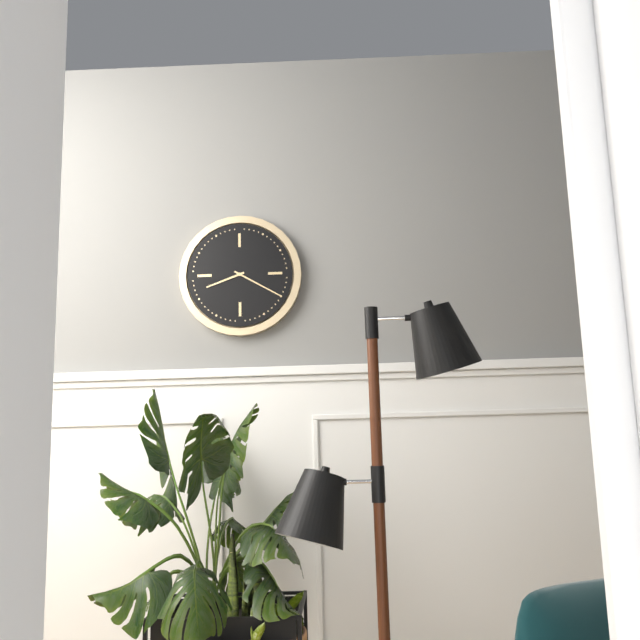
8:20
